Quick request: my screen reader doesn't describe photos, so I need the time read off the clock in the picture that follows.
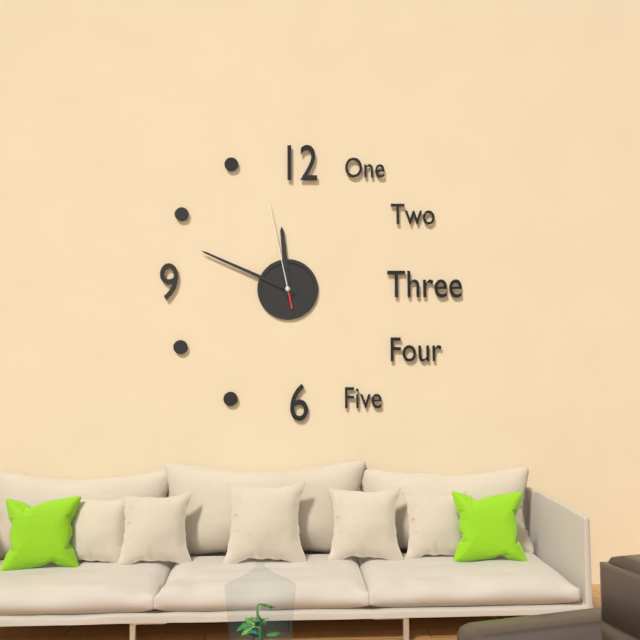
11:49:58
